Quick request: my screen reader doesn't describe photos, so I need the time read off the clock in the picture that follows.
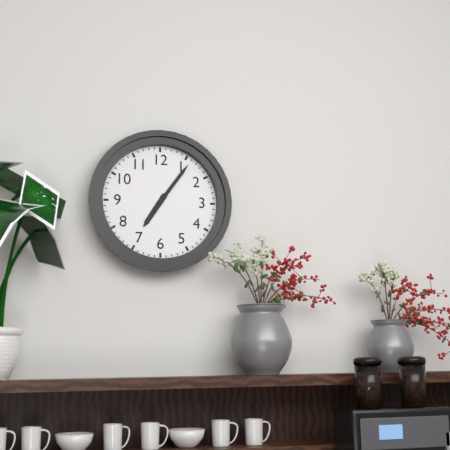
7:06
